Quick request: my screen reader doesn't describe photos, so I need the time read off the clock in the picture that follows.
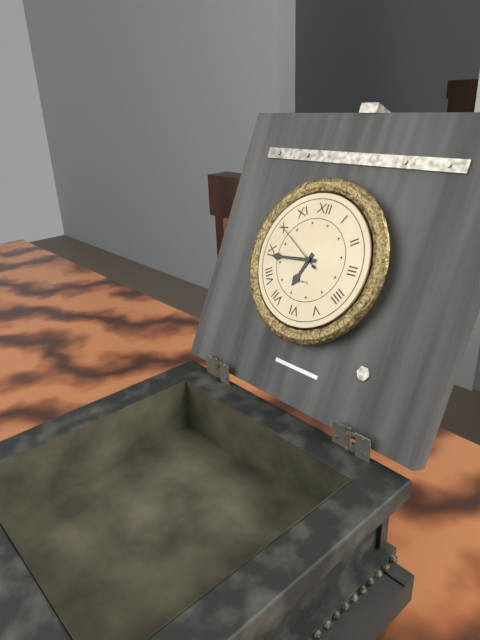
6:44:50
